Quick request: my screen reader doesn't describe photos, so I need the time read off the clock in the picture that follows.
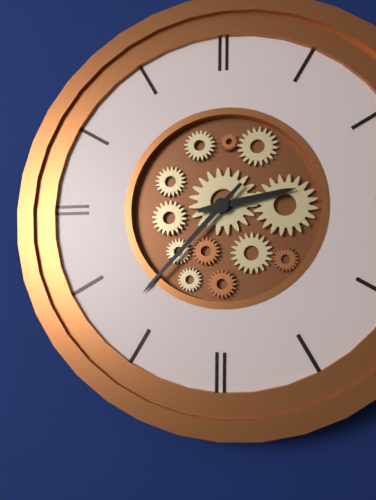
2:37
